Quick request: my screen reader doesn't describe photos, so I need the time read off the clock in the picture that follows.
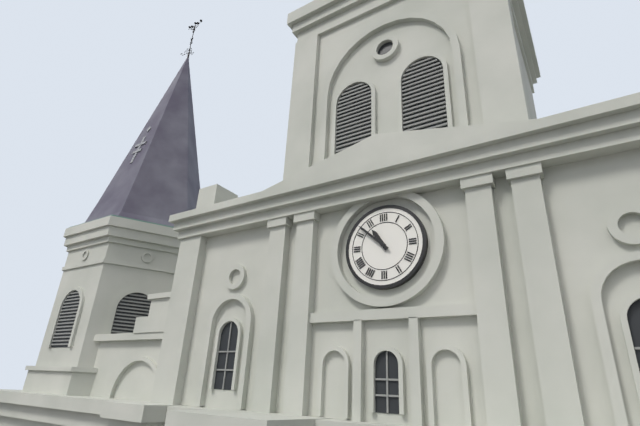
10:52
